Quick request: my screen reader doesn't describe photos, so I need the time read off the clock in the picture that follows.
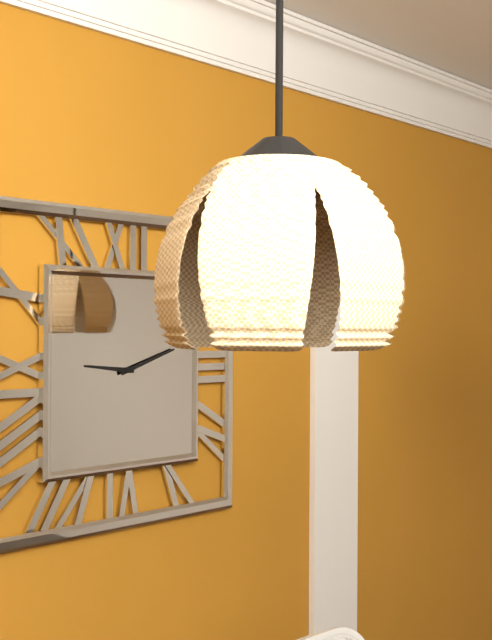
9:12
